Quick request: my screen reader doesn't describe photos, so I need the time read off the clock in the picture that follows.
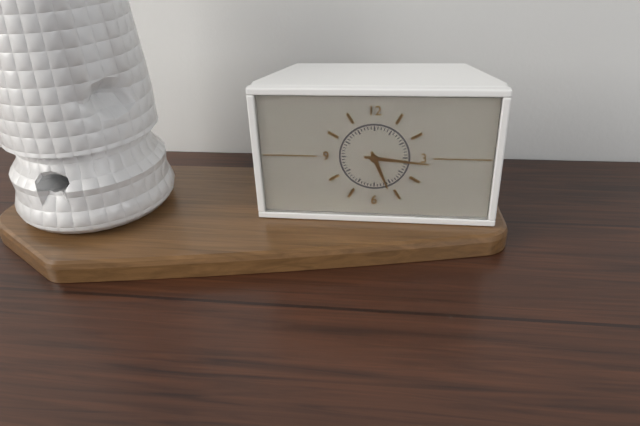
5:16
